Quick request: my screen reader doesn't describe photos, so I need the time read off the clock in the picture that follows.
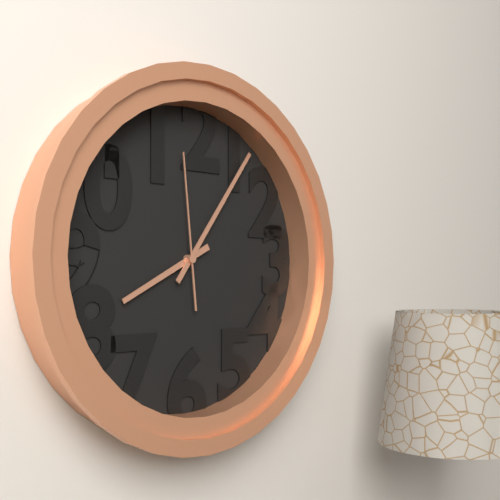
8:06:59
